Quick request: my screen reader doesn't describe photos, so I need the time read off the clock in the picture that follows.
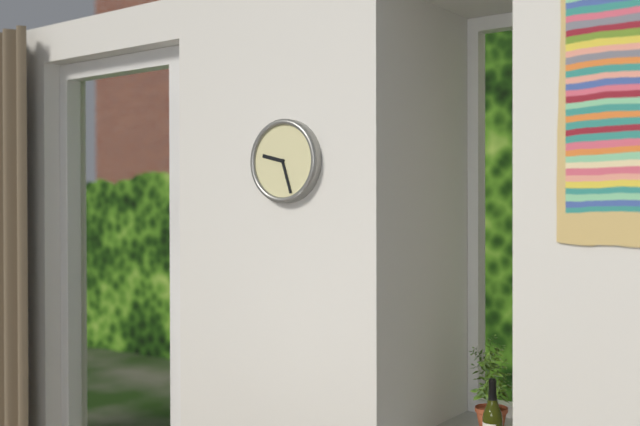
9:27
